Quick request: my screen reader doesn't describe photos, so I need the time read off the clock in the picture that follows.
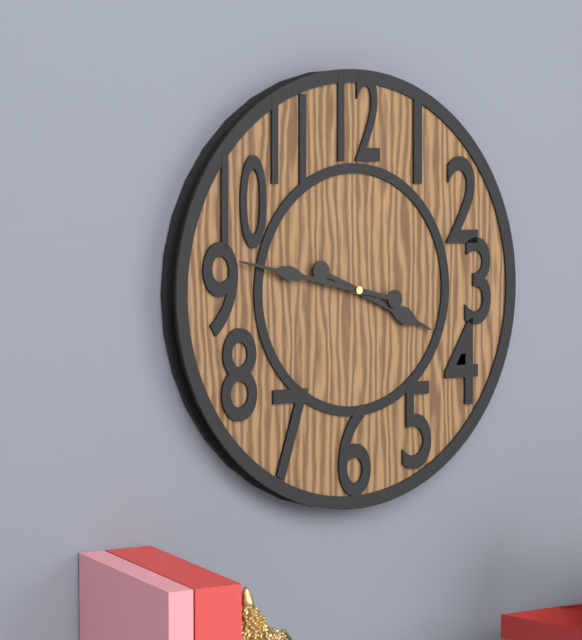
3:47
